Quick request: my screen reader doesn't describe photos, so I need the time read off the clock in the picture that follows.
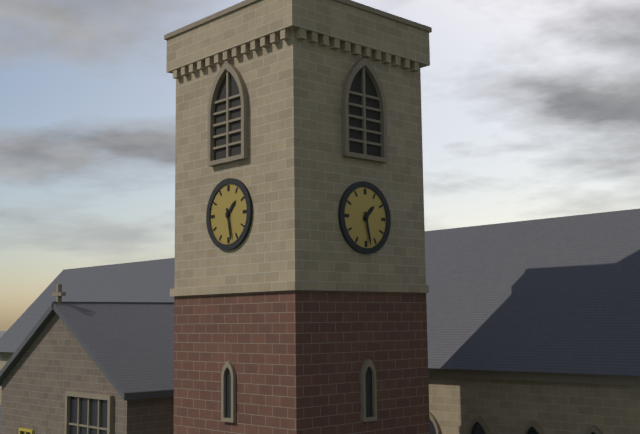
1:28
